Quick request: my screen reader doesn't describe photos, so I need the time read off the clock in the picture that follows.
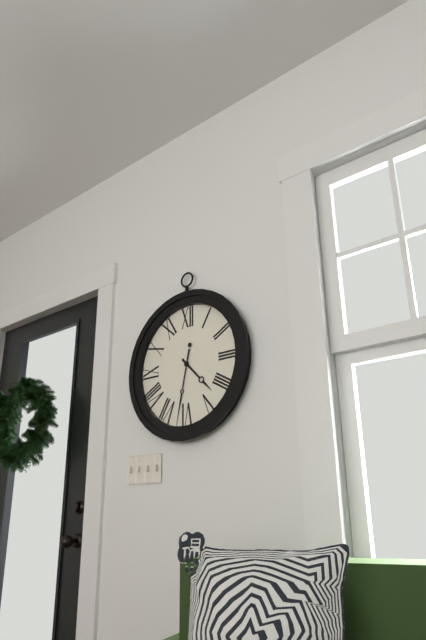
4:32
